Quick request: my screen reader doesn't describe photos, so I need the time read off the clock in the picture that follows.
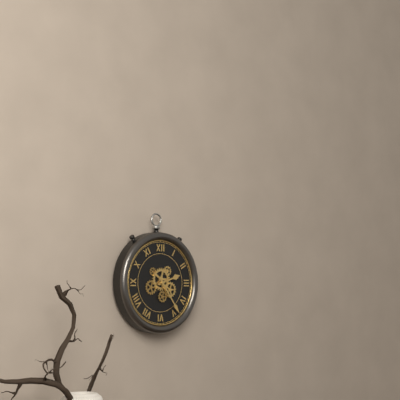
2:24
